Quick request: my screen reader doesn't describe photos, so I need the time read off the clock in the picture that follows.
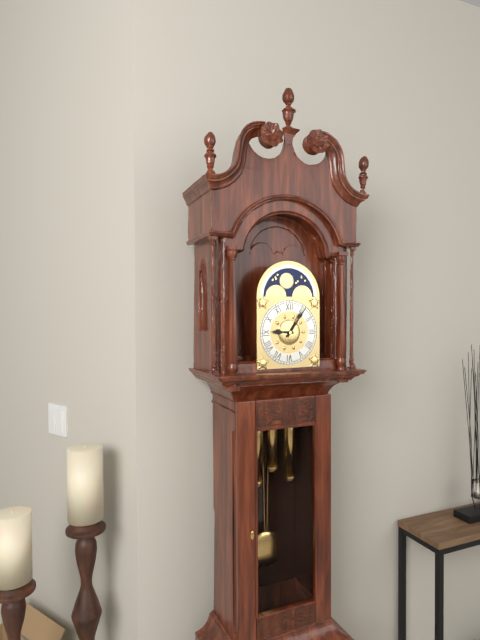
9:06
